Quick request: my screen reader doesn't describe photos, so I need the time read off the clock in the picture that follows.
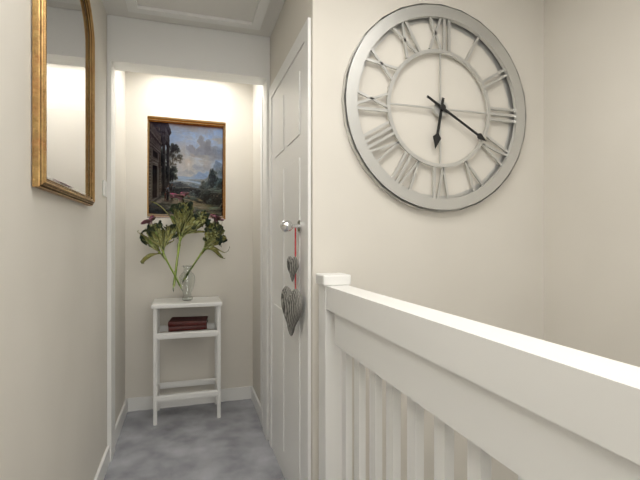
6:20
